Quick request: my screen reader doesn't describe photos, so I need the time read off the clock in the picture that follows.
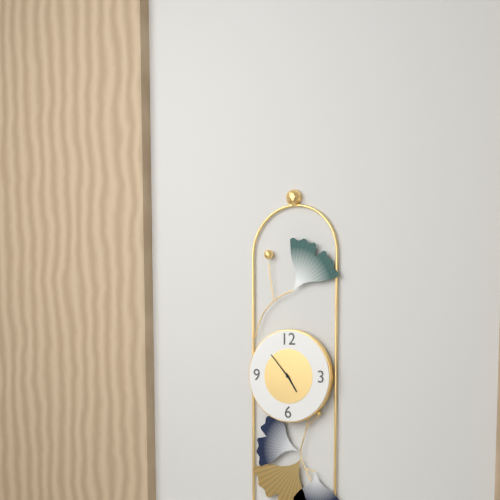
4:53
